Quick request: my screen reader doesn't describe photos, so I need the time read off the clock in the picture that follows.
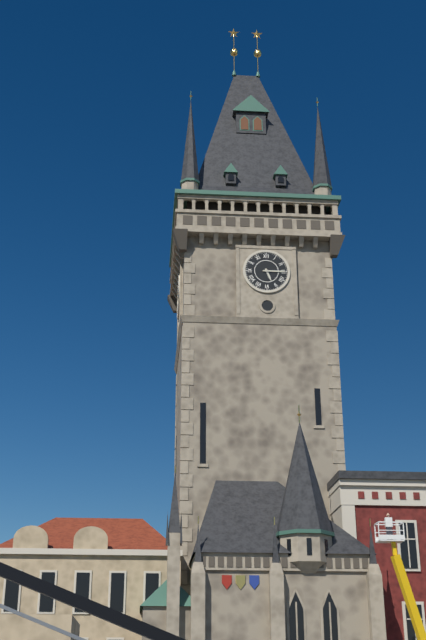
5:15
